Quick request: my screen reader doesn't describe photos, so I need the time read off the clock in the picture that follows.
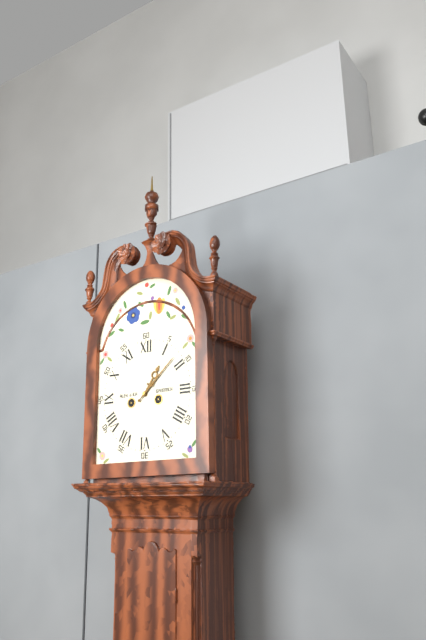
1:08
